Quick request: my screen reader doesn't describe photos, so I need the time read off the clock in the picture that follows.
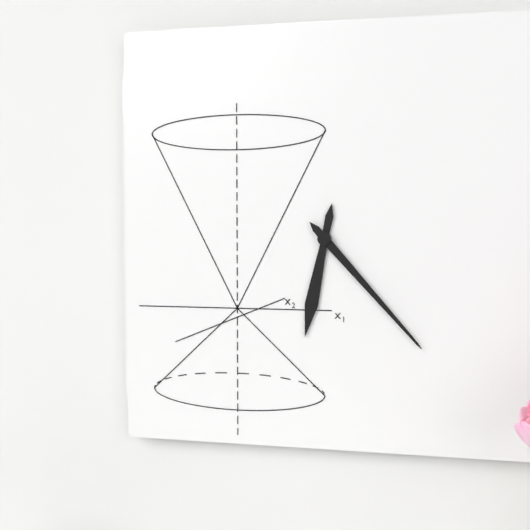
6:23
